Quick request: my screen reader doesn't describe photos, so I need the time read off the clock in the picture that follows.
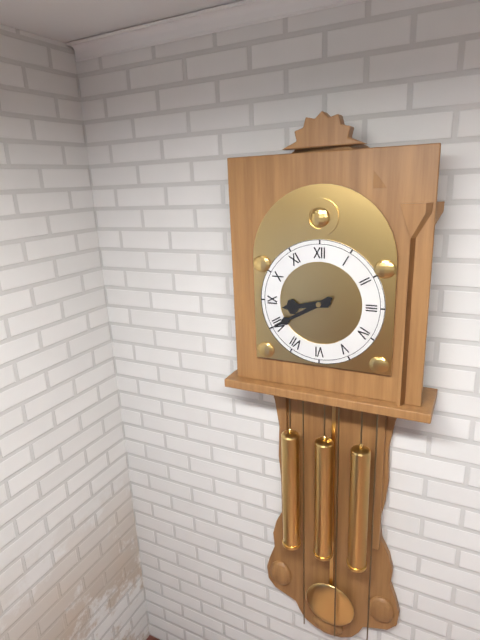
8:40
